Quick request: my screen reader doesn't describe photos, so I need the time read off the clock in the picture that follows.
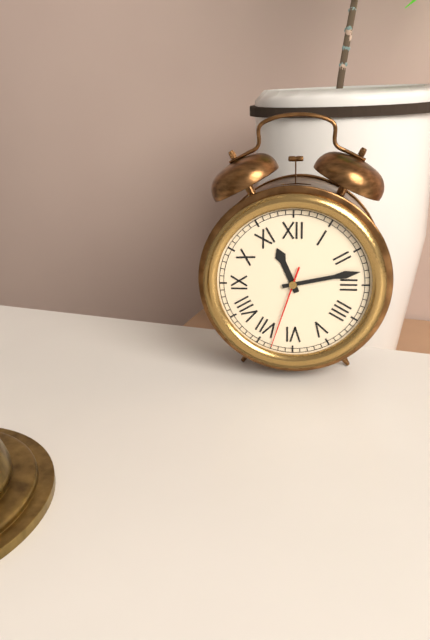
11:13:33
